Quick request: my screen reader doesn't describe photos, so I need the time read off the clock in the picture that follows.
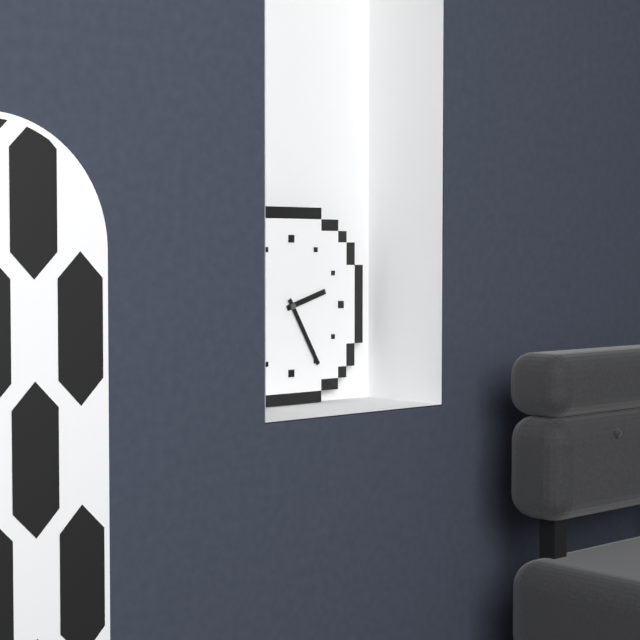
2:25
